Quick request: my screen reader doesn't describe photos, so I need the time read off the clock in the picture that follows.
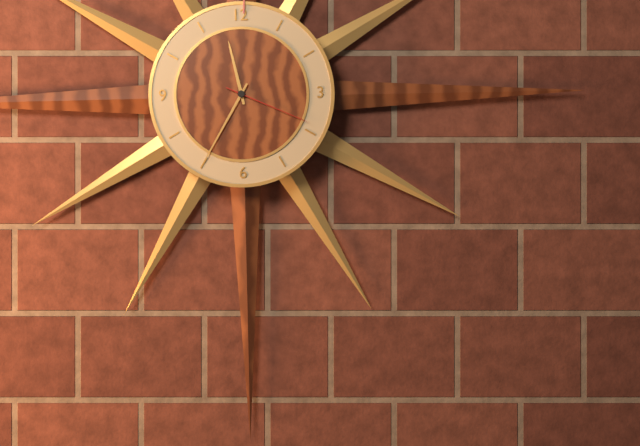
11:35:19
